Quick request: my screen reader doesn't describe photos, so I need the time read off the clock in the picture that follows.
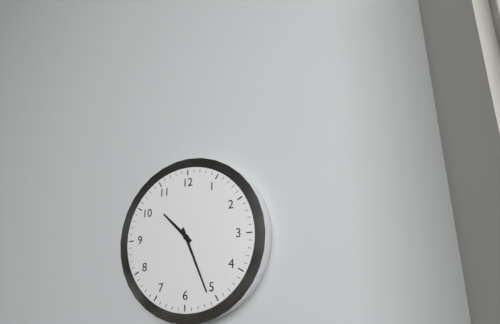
10:26
